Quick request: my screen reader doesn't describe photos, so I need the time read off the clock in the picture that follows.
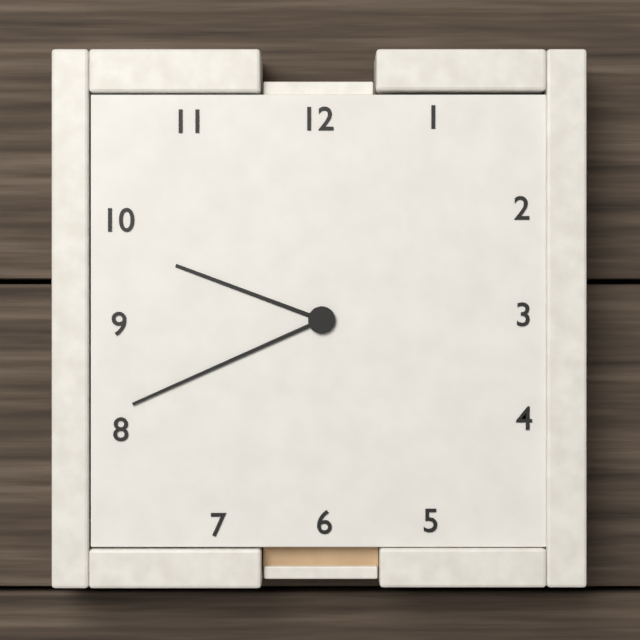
9:41
